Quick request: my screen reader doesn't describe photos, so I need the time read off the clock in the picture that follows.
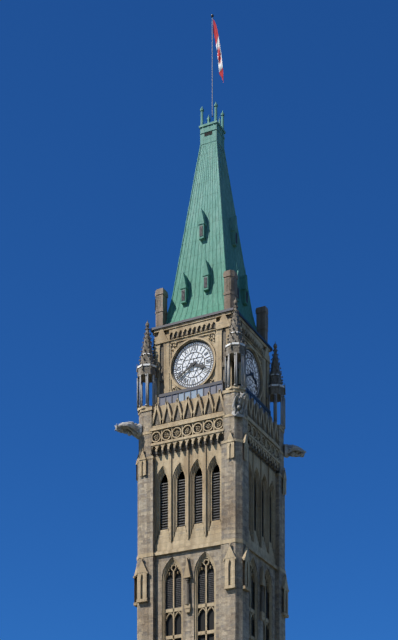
3:40
